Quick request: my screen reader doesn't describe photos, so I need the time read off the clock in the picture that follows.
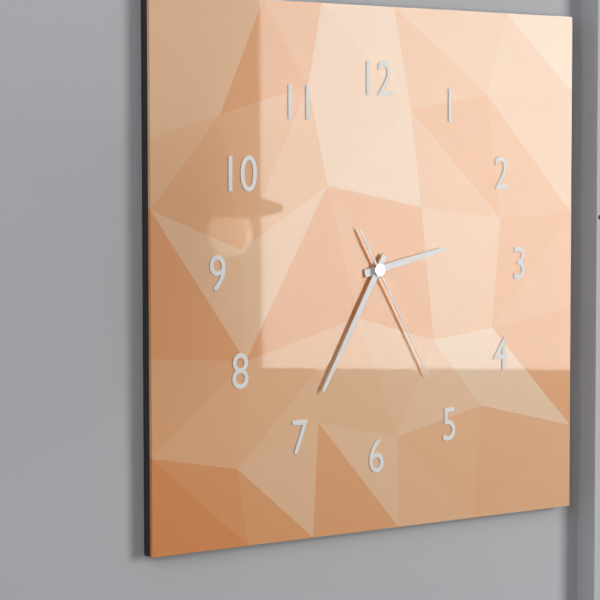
2:35:25
